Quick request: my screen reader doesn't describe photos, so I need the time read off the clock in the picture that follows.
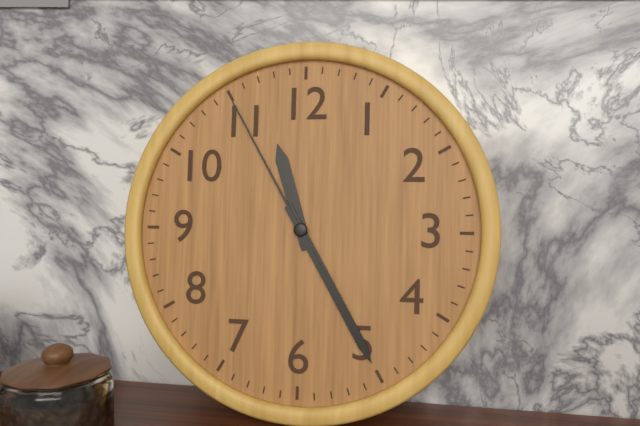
11:25:55
